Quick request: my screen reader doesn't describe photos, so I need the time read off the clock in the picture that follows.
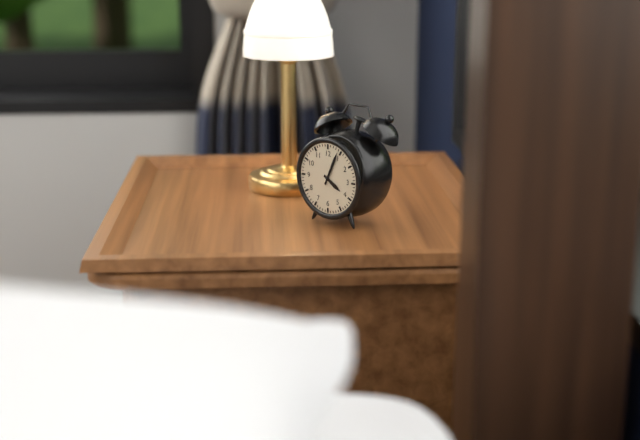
4:04
